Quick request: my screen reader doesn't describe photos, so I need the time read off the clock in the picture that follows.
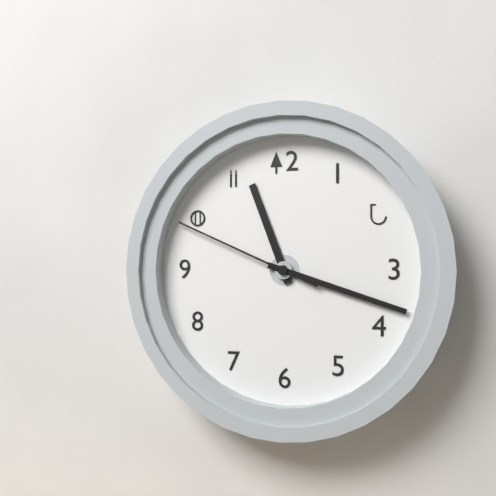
11:18:49
